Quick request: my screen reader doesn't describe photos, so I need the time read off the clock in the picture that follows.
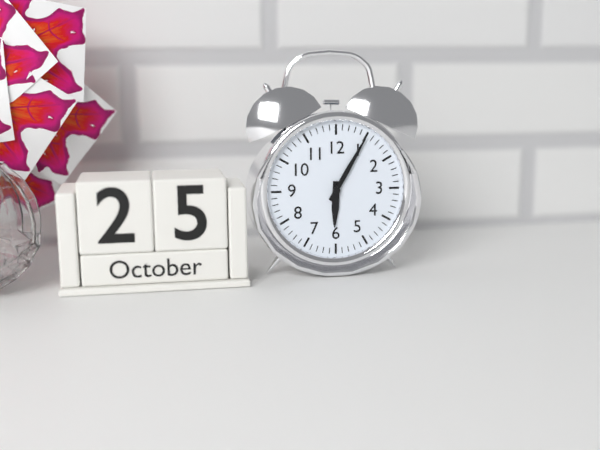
6:05
